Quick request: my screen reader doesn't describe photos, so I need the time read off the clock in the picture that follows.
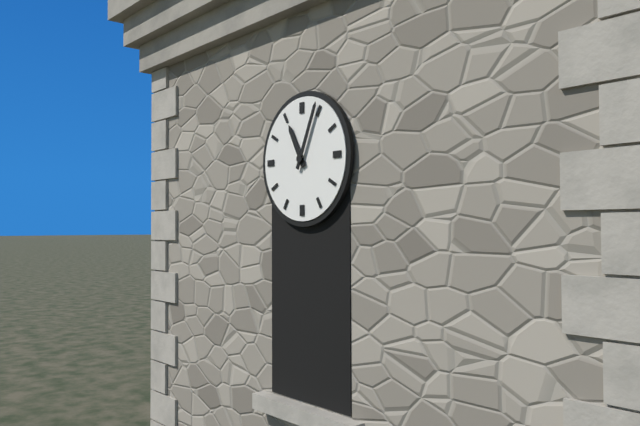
11:04
